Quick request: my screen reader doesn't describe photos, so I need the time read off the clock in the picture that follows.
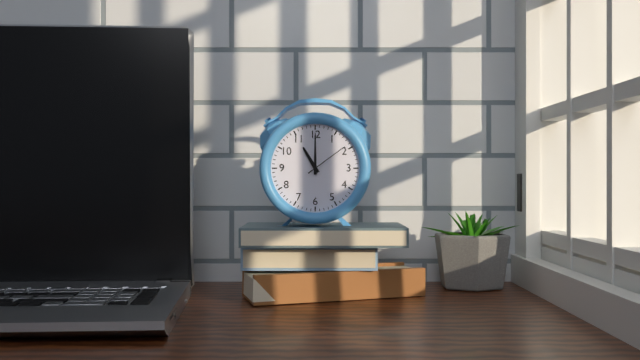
11:00
